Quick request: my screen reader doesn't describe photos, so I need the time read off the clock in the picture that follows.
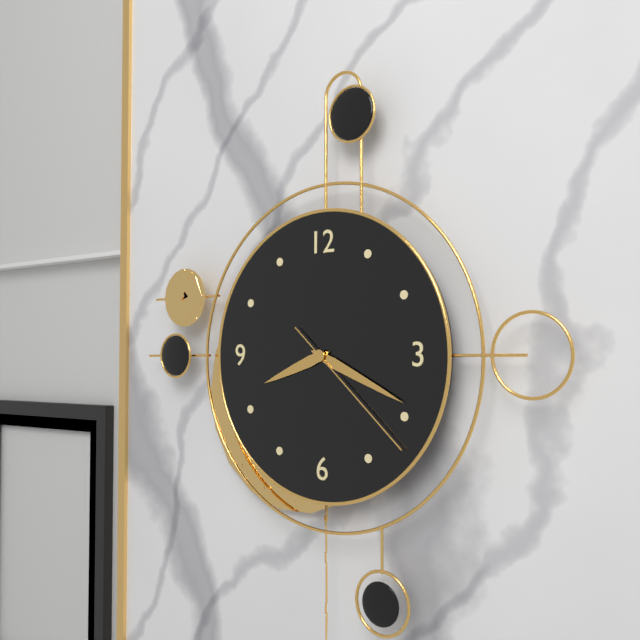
8:19:22
